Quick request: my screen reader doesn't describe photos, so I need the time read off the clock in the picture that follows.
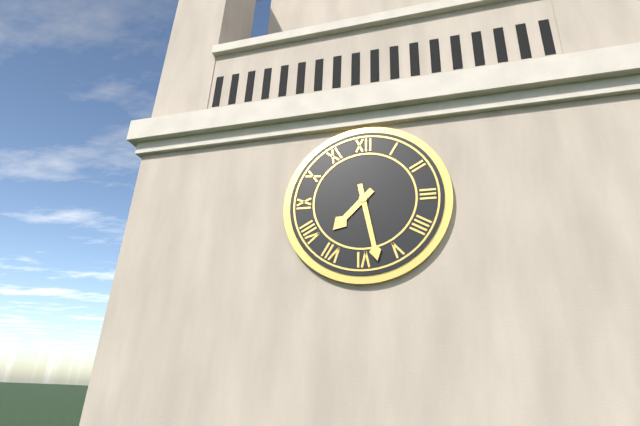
7:28
